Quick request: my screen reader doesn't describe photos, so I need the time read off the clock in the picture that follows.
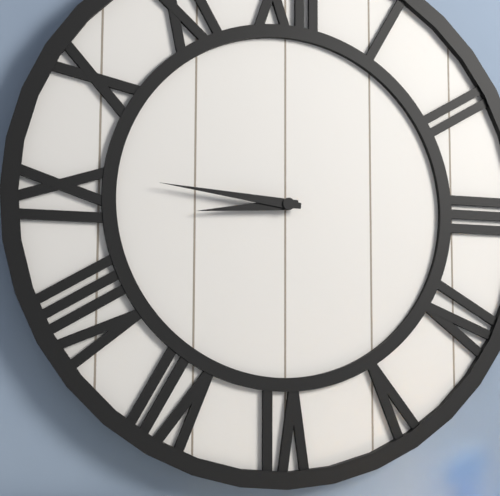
8:46
